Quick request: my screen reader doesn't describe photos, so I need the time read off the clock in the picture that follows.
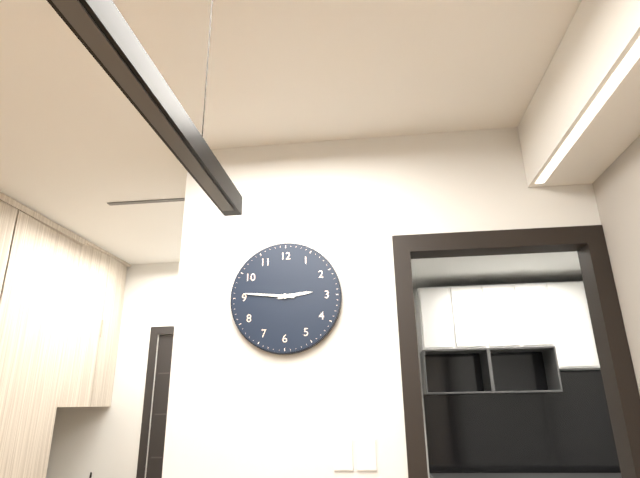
2:46
